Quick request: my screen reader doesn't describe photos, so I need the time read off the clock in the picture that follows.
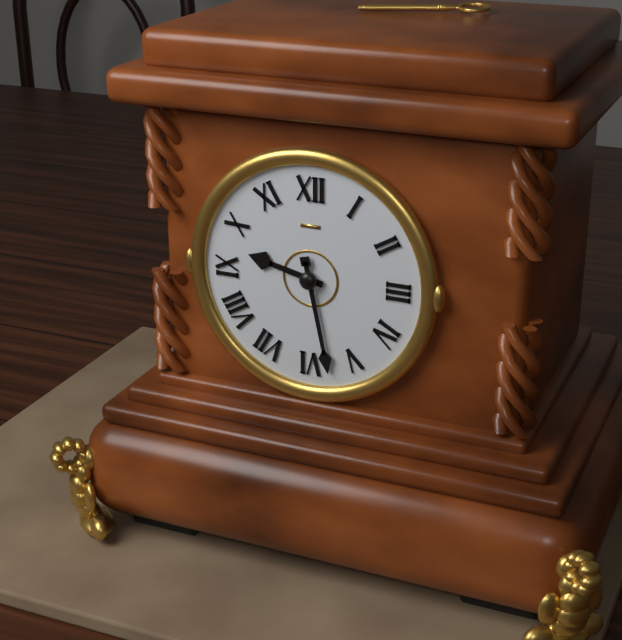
9:28
